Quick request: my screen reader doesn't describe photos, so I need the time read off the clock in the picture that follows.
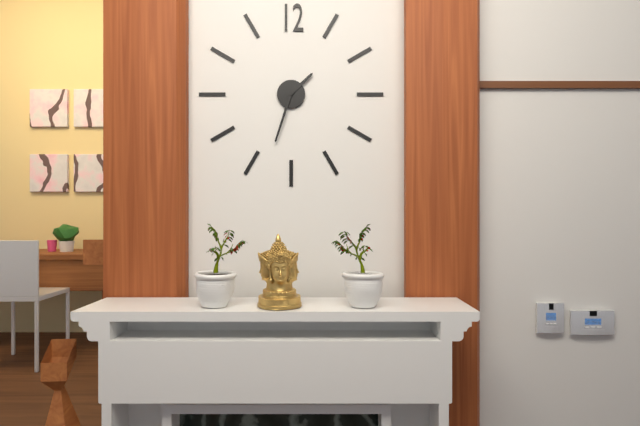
1:33
